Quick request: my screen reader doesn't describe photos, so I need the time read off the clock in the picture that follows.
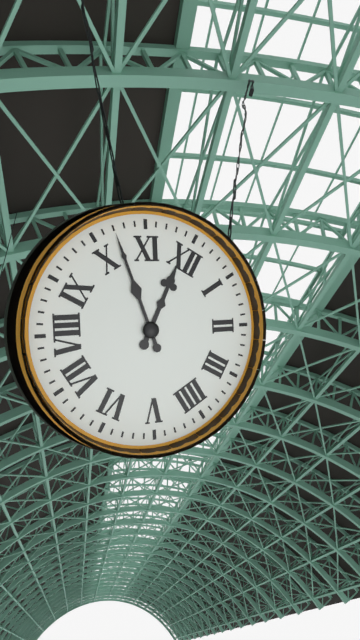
11:52
